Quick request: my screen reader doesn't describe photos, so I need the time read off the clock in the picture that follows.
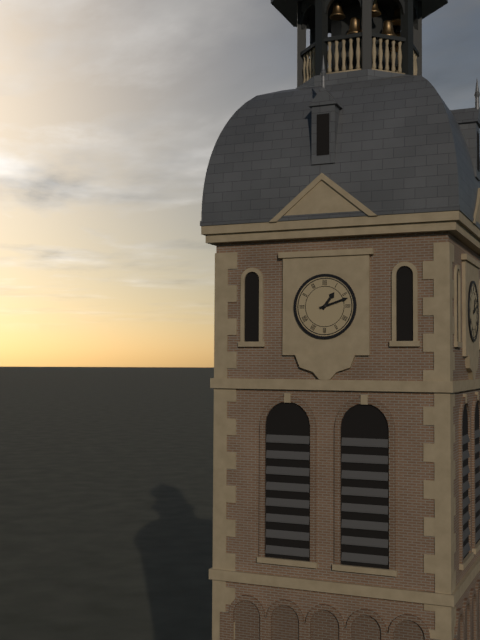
1:12
